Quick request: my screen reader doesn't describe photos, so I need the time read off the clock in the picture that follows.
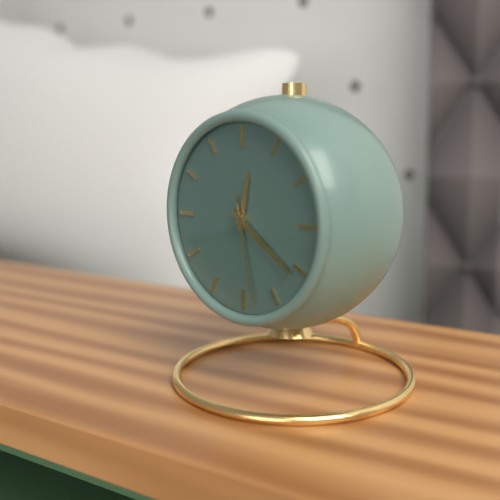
12:21:28
